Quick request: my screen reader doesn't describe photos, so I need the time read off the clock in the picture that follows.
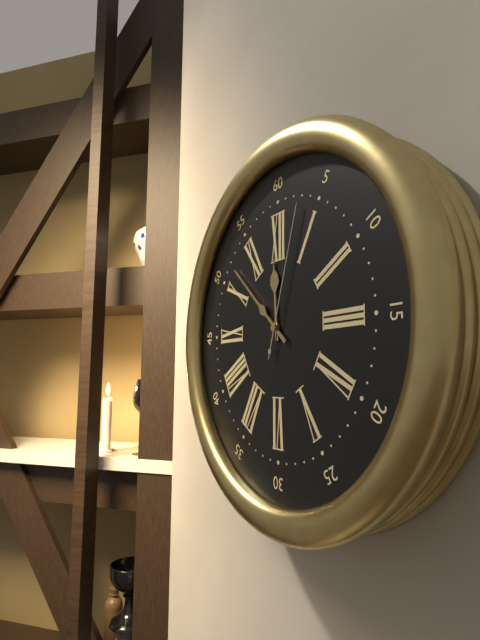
11:52:03
